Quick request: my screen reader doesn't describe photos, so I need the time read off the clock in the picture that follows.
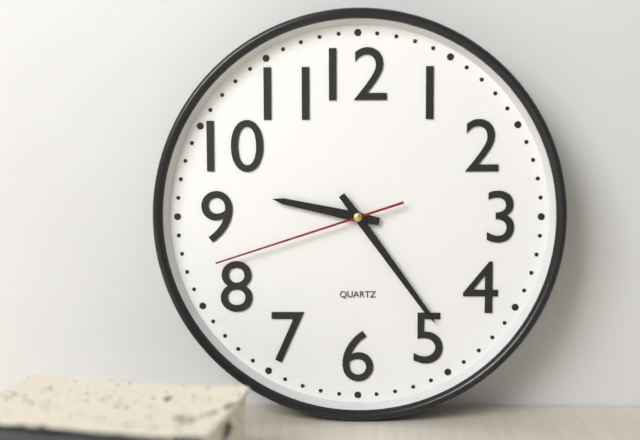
9:24:42
